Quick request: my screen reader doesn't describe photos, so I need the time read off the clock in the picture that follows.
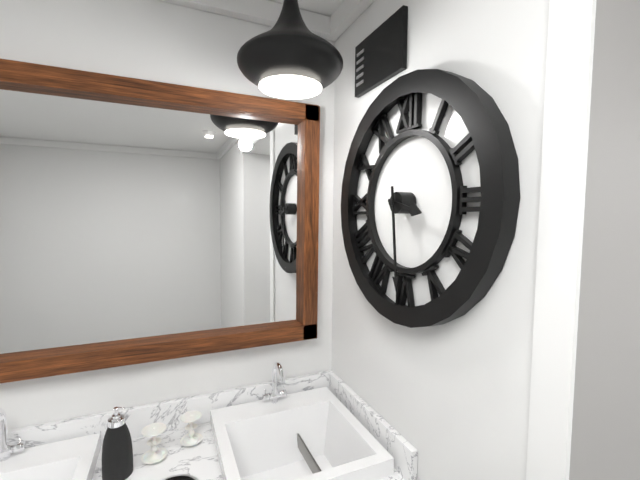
3:29
